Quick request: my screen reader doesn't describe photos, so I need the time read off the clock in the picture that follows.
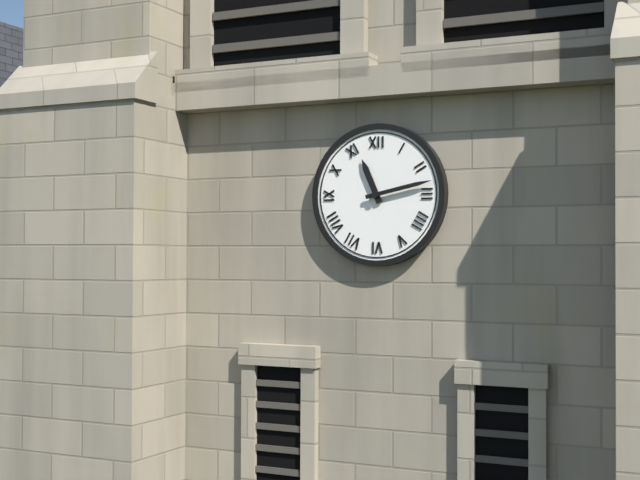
11:13
